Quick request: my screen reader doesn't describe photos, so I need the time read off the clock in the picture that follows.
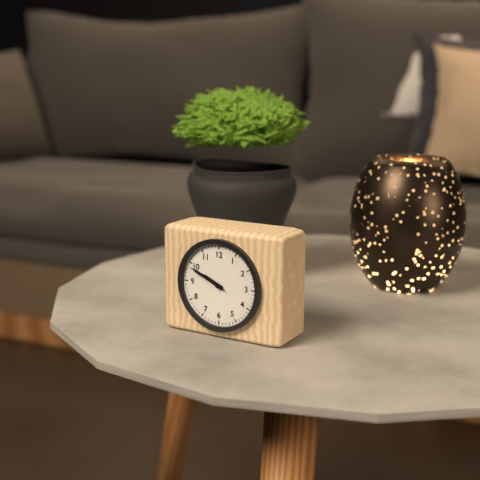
9:49
